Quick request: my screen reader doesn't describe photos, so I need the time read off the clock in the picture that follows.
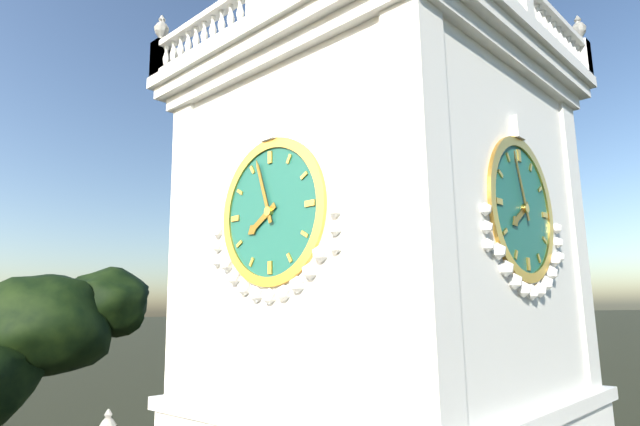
7:57
